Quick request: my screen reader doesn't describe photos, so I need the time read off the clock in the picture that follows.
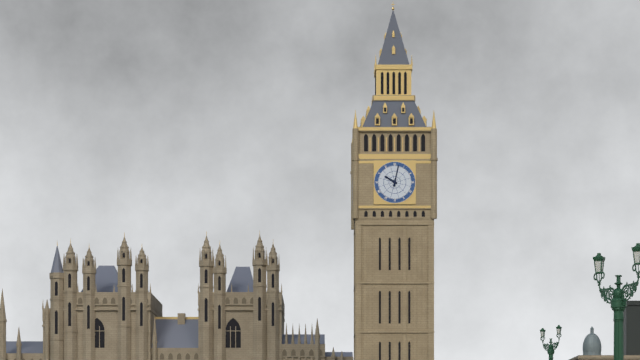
10:02
